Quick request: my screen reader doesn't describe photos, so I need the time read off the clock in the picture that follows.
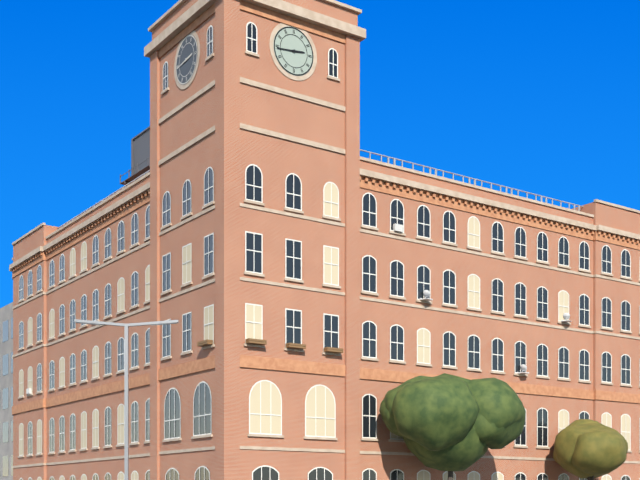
2:44
